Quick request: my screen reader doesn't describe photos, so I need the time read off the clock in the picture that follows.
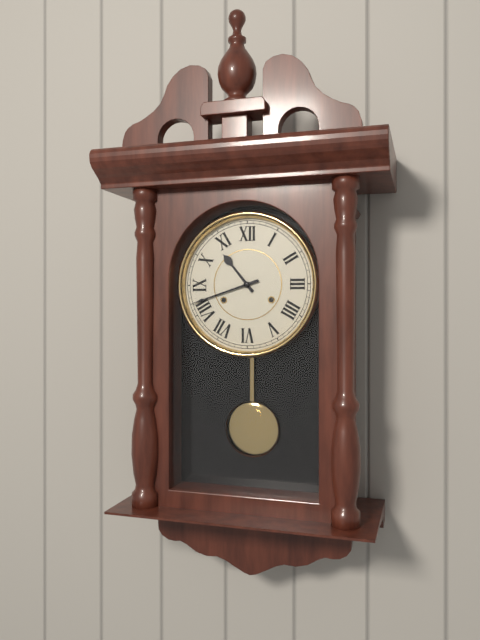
10:42
